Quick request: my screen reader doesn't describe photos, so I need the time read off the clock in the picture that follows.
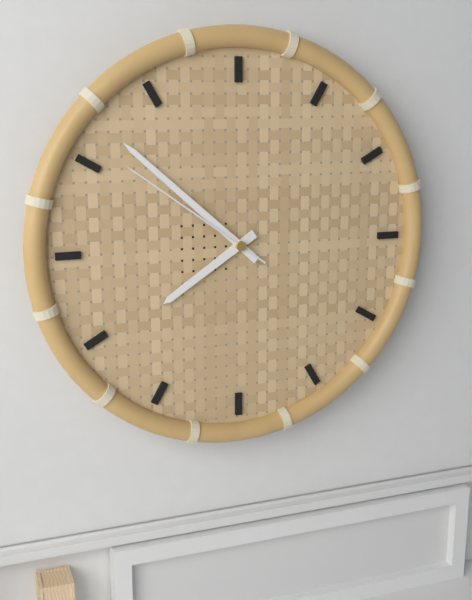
7:52:51
